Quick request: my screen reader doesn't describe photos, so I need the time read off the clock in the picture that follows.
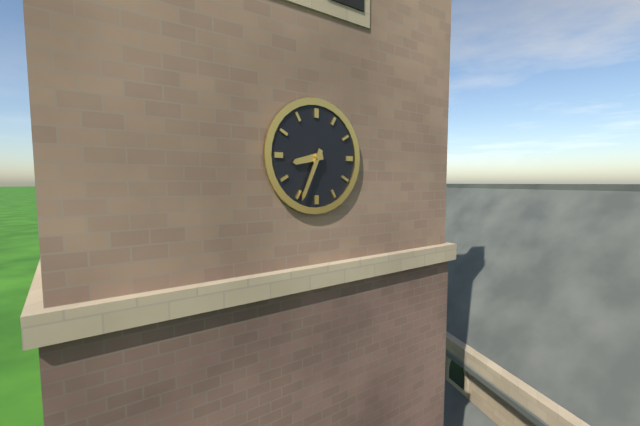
8:34
